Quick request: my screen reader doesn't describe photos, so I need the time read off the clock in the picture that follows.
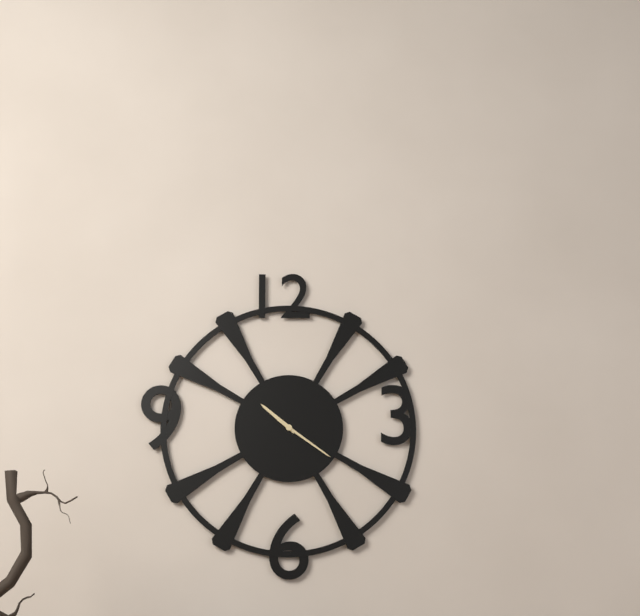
10:21
